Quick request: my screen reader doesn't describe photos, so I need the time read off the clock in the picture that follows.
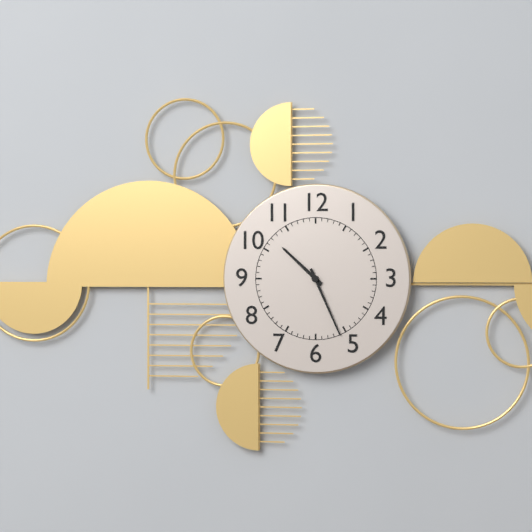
10:26
